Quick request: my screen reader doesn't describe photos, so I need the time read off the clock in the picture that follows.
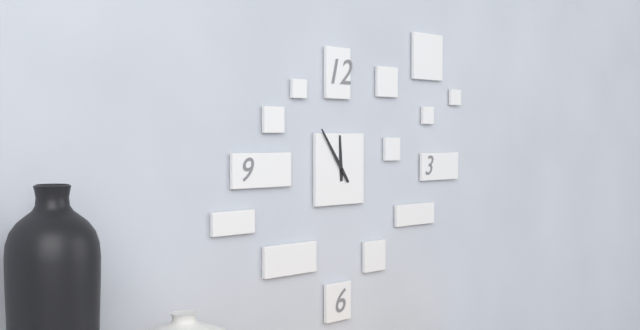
11:54
